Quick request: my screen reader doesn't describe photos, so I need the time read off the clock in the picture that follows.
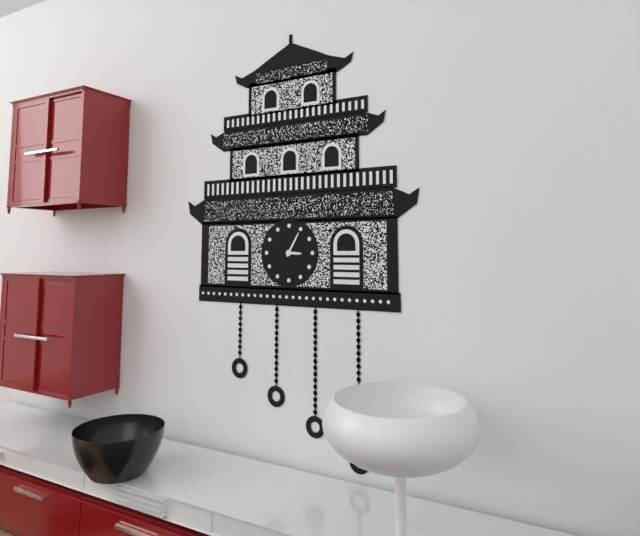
3:05
